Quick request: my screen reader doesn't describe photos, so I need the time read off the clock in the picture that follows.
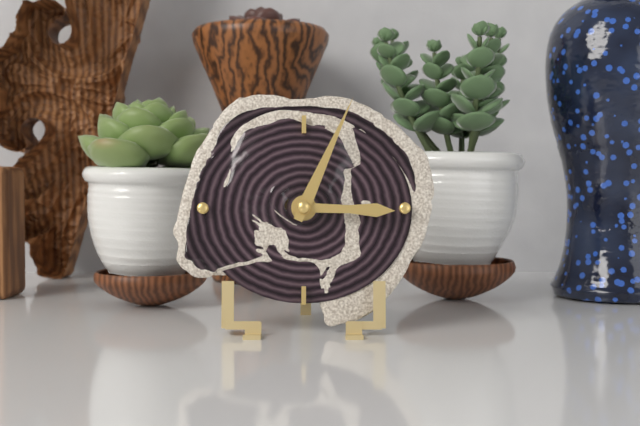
3:04
